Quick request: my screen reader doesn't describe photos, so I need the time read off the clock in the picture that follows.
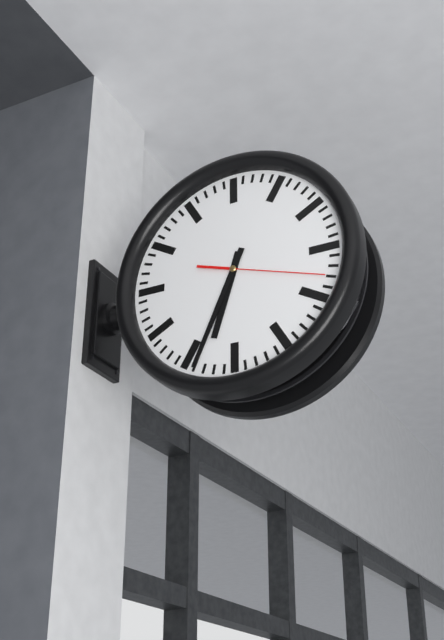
6:34:18
